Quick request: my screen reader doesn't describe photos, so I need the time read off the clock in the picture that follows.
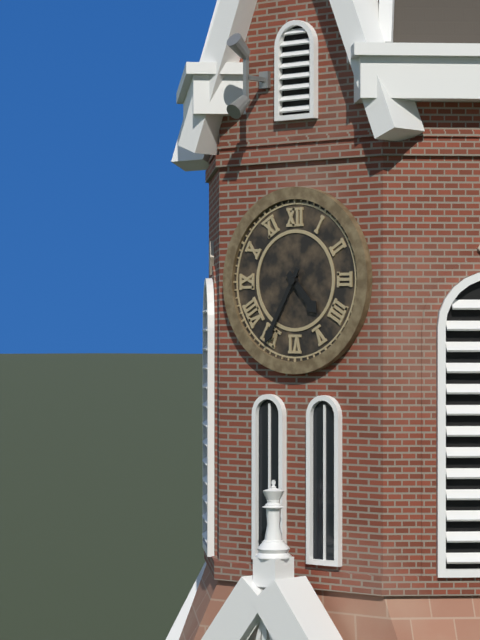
4:35
